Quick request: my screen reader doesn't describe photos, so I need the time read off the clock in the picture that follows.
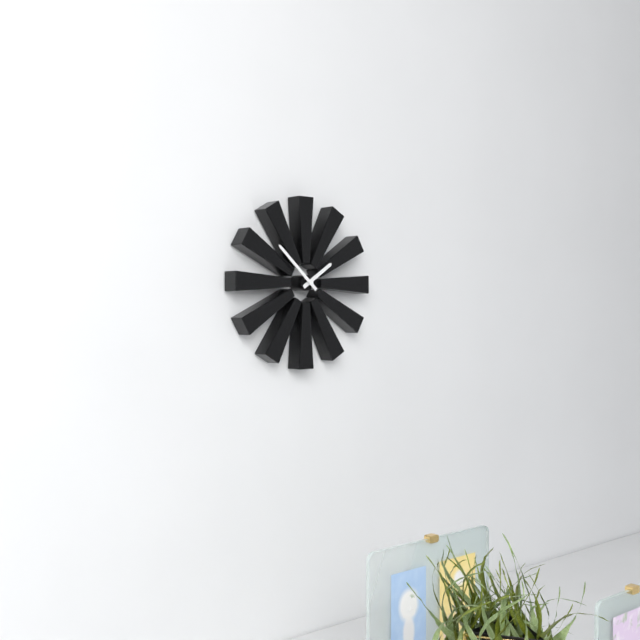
1:52
